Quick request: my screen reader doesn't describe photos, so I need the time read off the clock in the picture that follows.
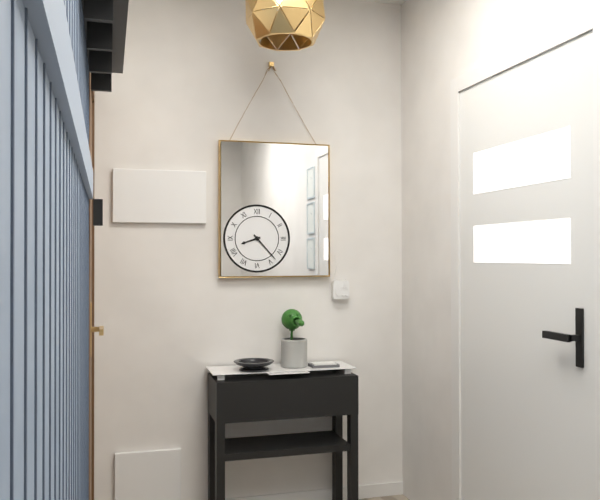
8:23
